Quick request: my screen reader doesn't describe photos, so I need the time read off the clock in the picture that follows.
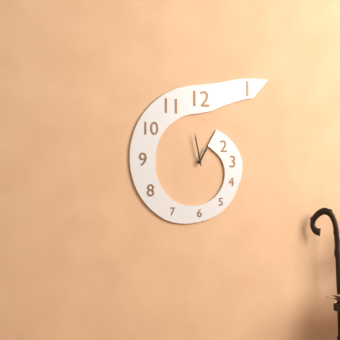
12:58
